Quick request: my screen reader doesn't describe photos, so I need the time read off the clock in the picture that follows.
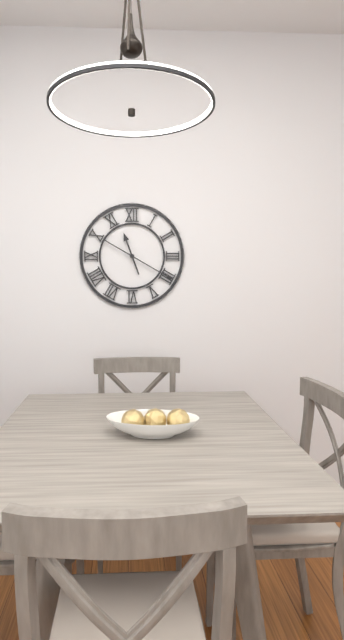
11:20
